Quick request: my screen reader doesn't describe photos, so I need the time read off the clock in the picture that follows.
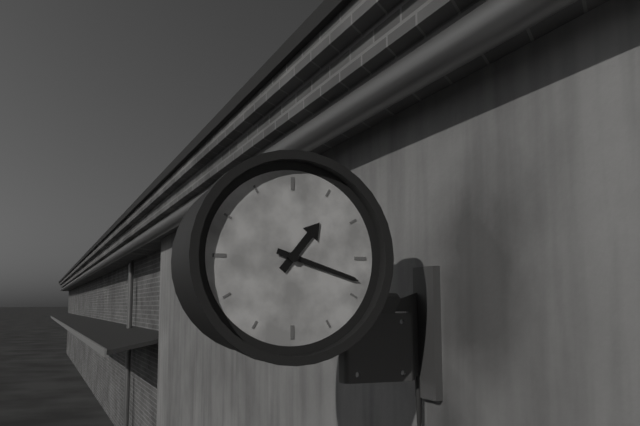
1:18
